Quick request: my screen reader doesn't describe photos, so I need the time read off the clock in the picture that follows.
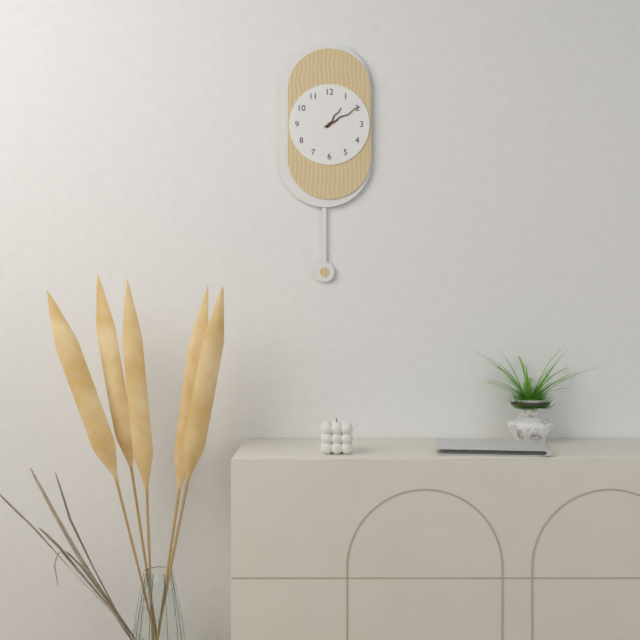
1:10
